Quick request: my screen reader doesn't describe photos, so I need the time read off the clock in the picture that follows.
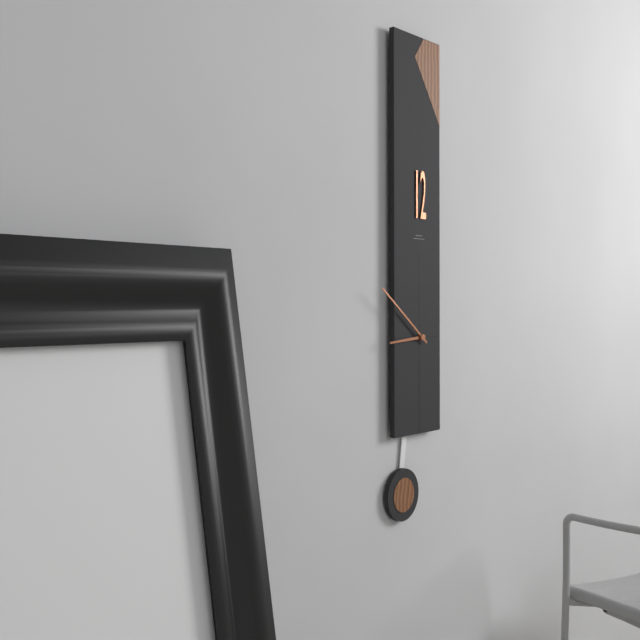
8:51
